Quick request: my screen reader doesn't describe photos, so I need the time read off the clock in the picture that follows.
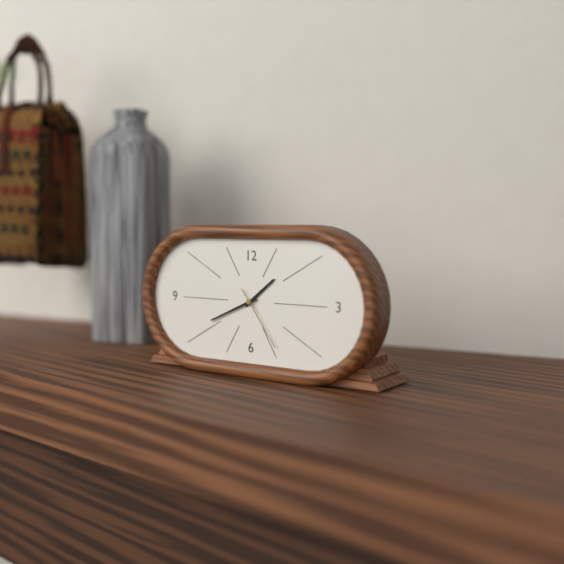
1:41:24
